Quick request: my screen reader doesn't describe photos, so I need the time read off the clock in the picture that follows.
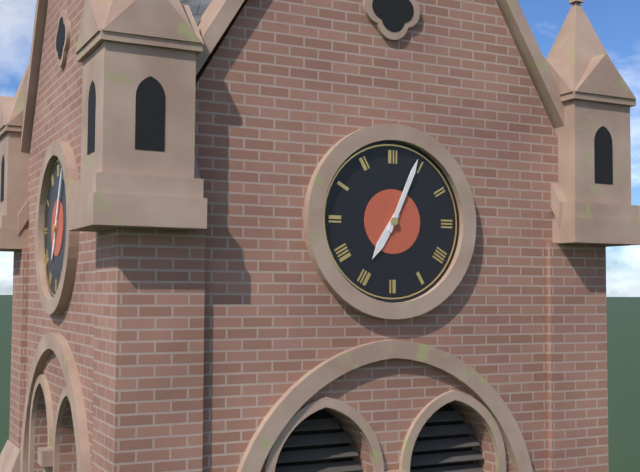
7:04
